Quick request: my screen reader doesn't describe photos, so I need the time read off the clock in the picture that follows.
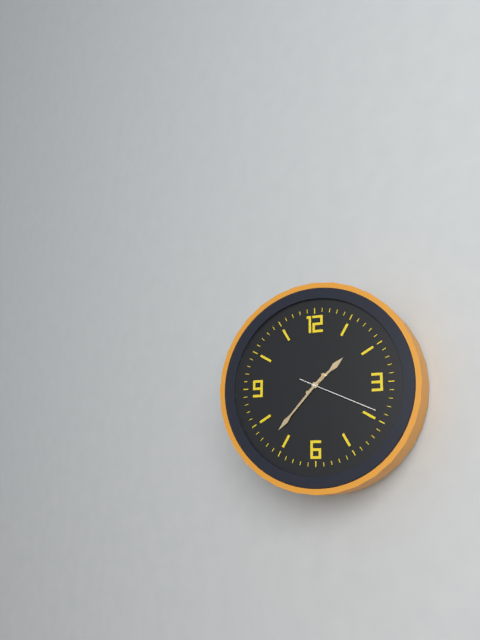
1:37:19
